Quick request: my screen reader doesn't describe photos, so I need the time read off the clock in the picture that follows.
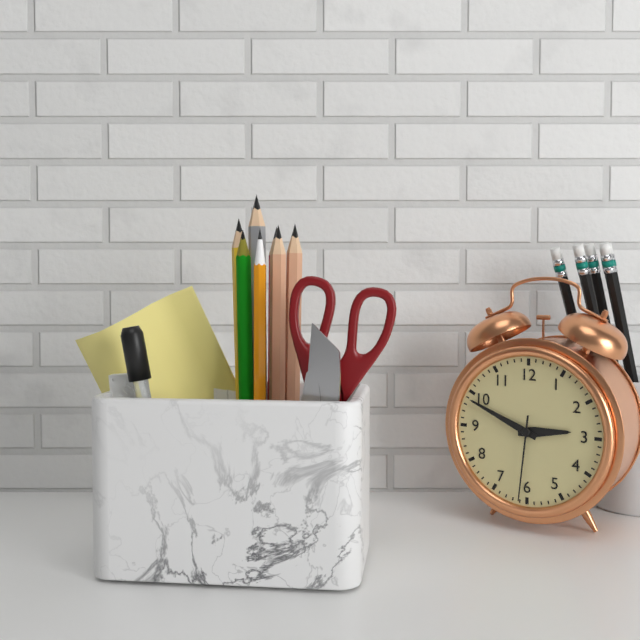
2:49:31
